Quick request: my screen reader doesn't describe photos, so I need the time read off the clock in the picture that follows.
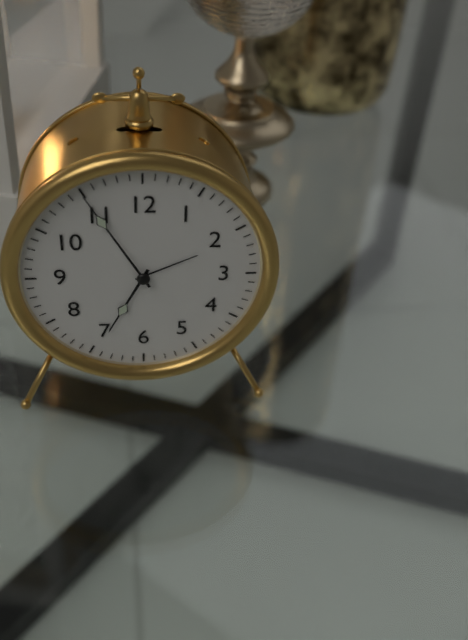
6:55
